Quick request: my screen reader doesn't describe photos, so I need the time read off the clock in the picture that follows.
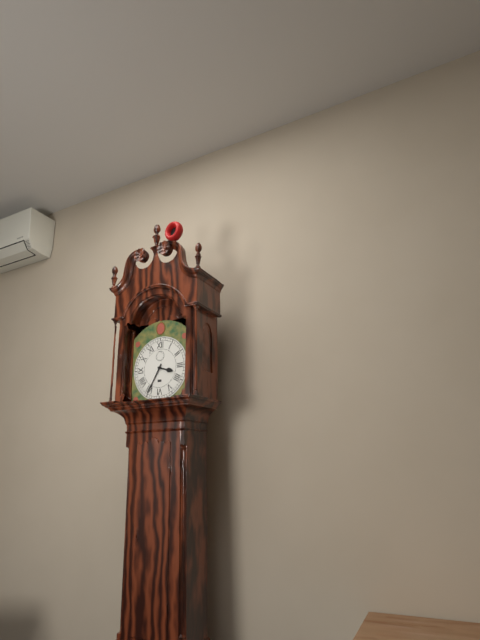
3:35
